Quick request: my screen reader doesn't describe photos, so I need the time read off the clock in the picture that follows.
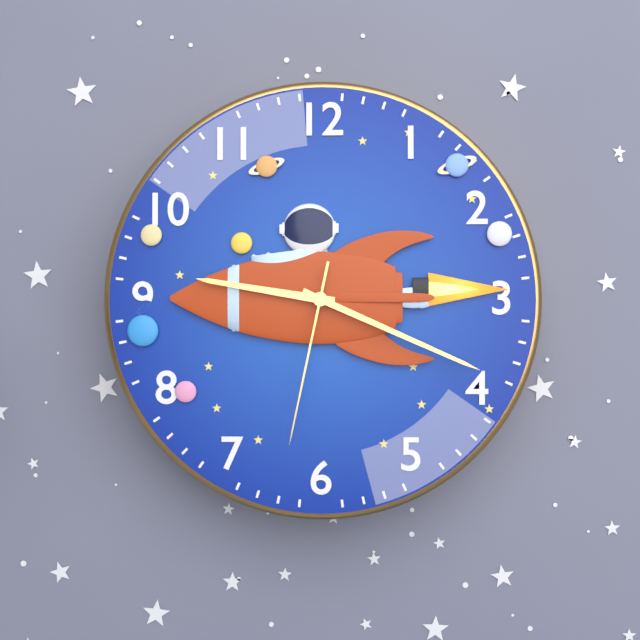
9:19:32
